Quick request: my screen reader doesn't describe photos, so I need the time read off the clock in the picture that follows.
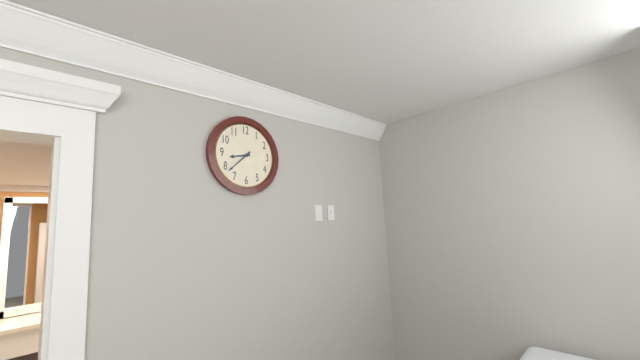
8:38
